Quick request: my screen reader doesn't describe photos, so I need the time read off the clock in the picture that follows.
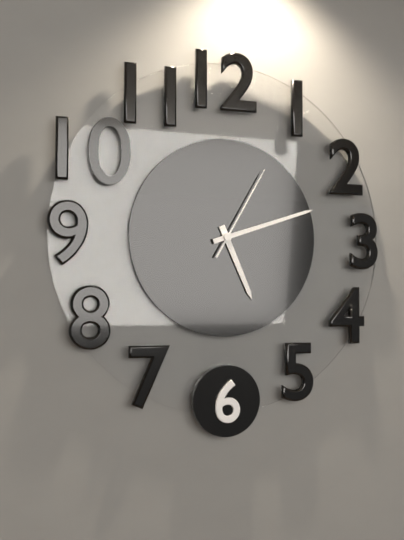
5:12:05
